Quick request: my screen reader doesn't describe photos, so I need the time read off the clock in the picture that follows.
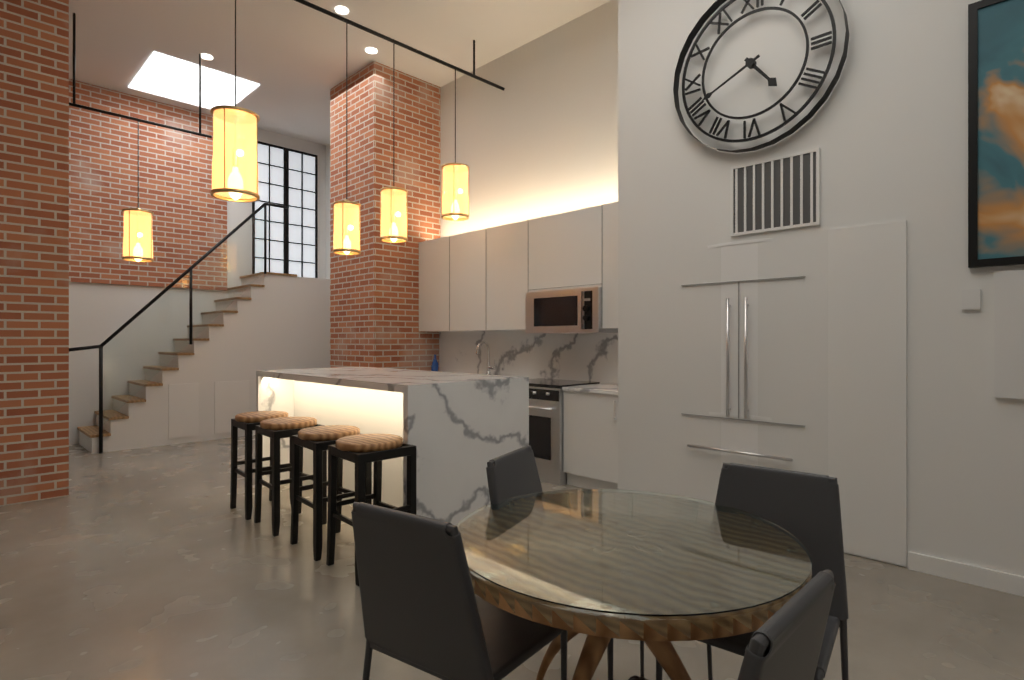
4:41
